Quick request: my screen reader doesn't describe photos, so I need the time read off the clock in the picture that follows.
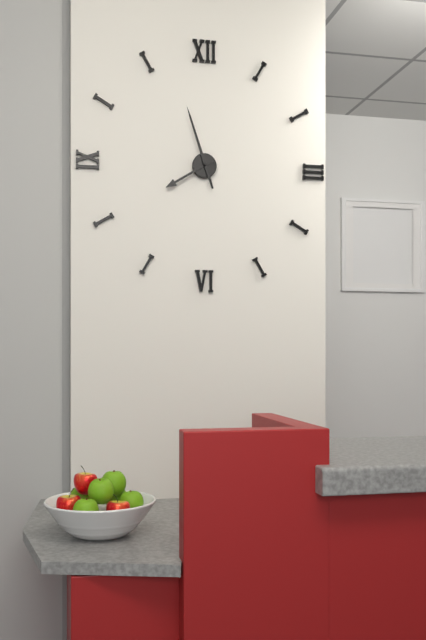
7:57
